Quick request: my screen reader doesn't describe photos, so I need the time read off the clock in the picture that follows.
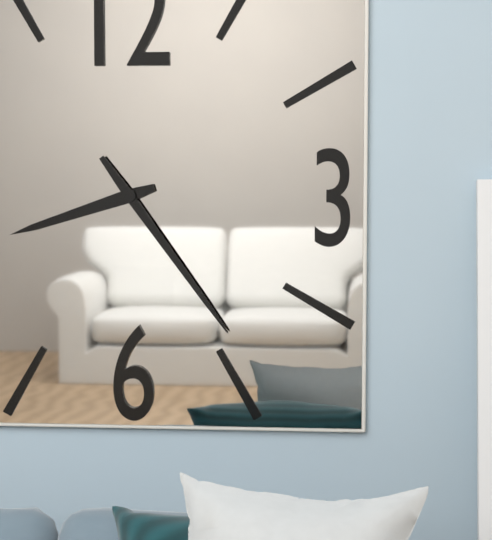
8:24
